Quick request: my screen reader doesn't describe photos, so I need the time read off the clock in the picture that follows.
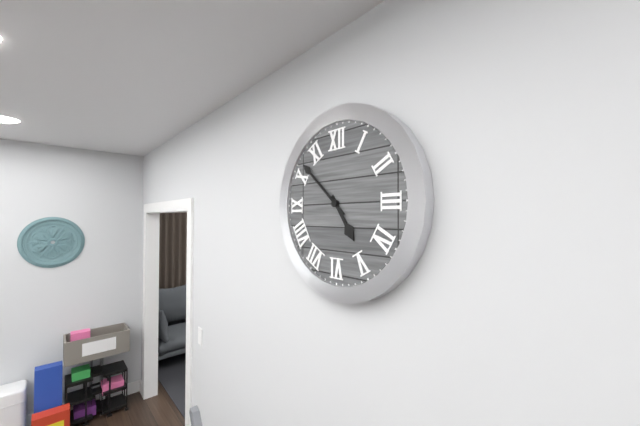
4:52
